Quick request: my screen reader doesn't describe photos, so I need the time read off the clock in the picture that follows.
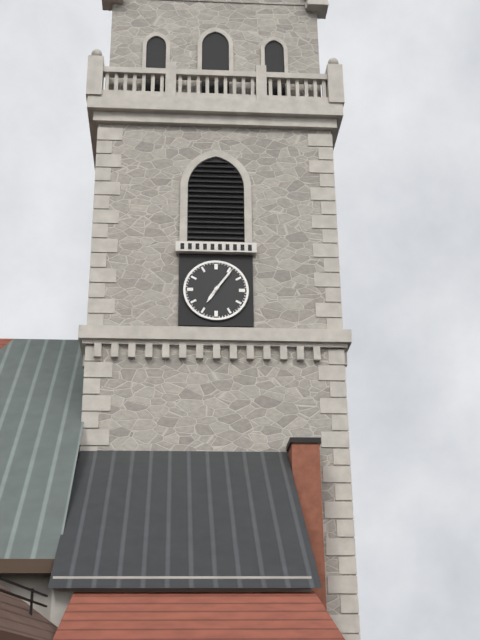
7:06
